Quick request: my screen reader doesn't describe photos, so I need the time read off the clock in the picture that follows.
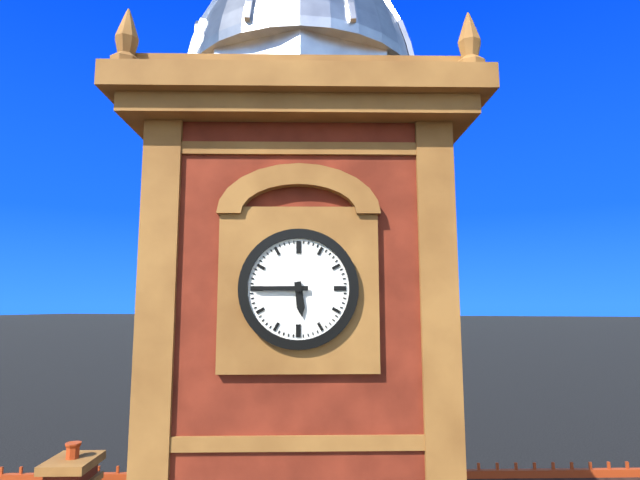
5:45
